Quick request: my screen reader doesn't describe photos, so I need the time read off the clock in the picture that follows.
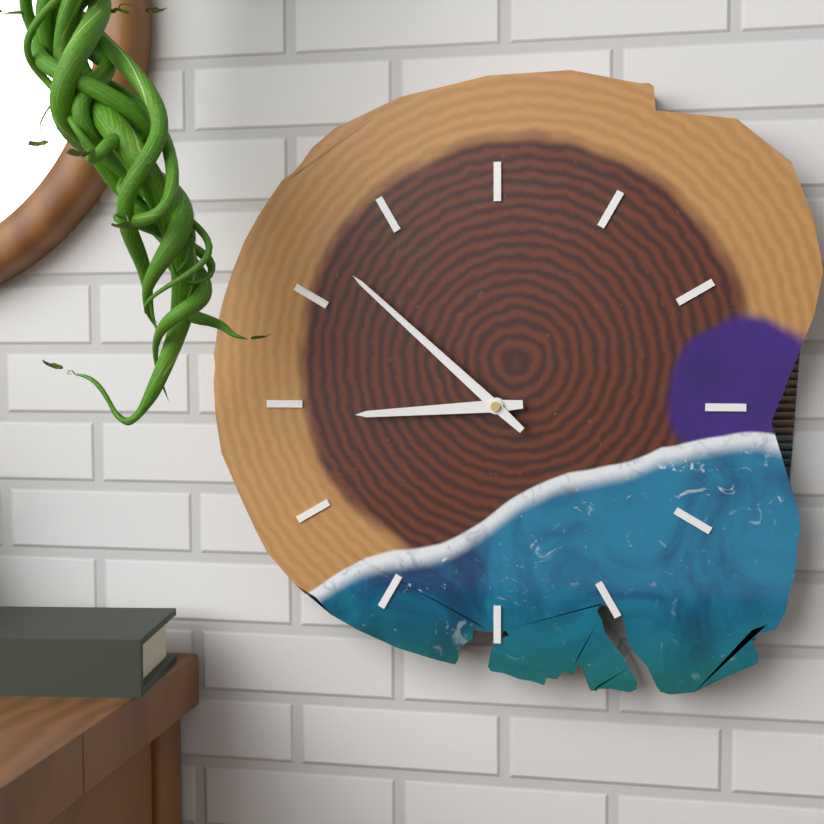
8:52
